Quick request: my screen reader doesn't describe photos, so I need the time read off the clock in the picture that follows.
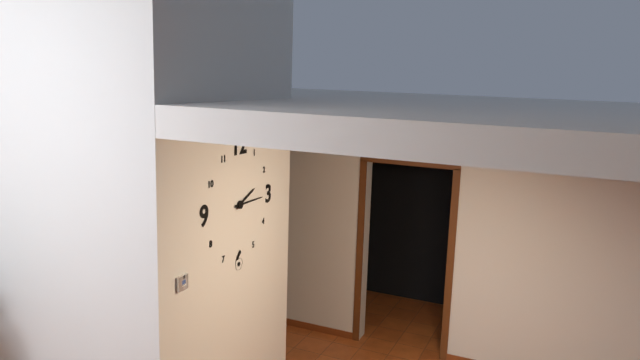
2:15
